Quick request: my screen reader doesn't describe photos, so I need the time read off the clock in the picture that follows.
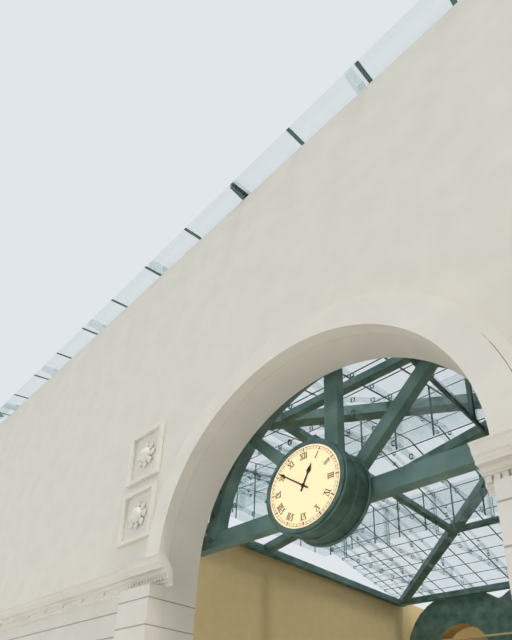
12:51
